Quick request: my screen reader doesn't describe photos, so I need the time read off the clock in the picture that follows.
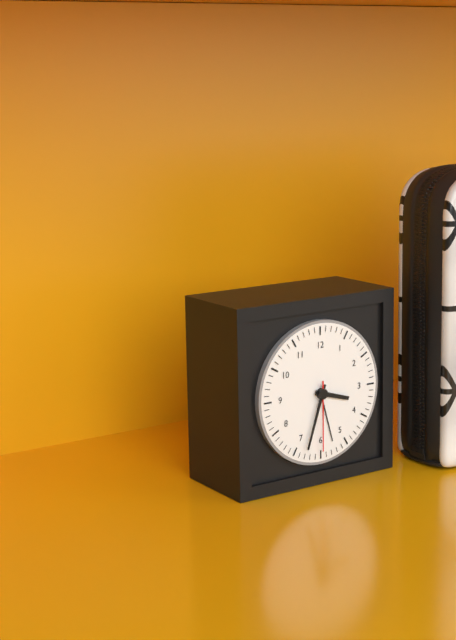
3:33:30
